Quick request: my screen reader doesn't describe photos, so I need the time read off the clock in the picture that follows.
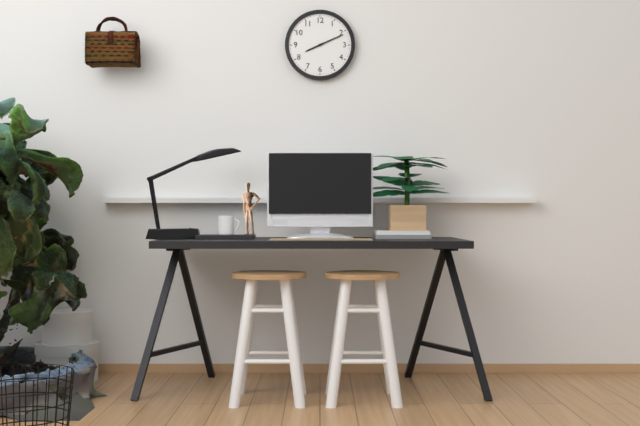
8:11
